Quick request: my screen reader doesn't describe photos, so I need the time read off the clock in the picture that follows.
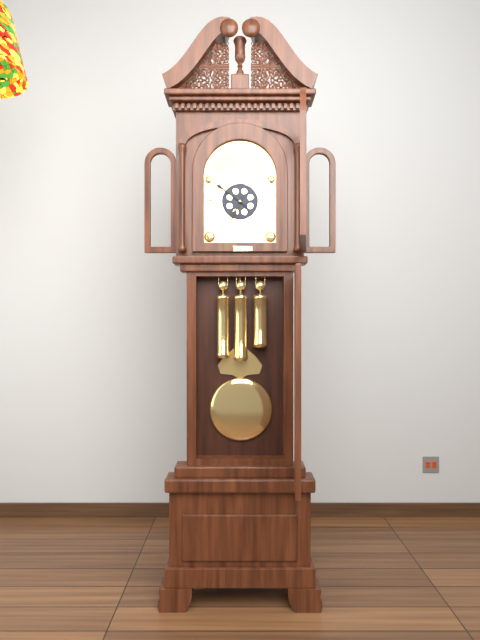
6:51
